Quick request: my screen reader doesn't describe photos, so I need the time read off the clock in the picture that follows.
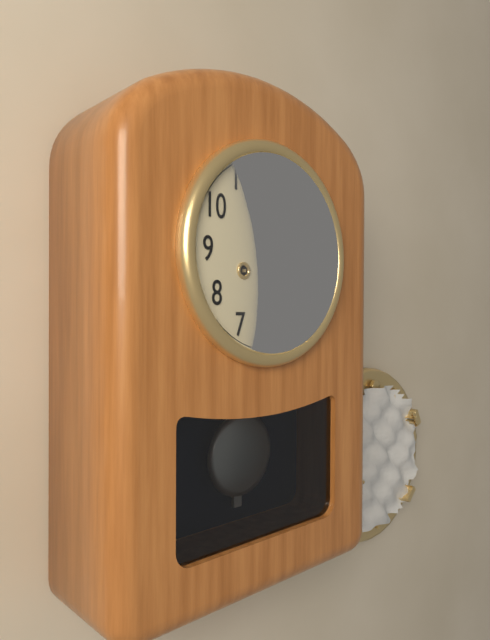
6:14
